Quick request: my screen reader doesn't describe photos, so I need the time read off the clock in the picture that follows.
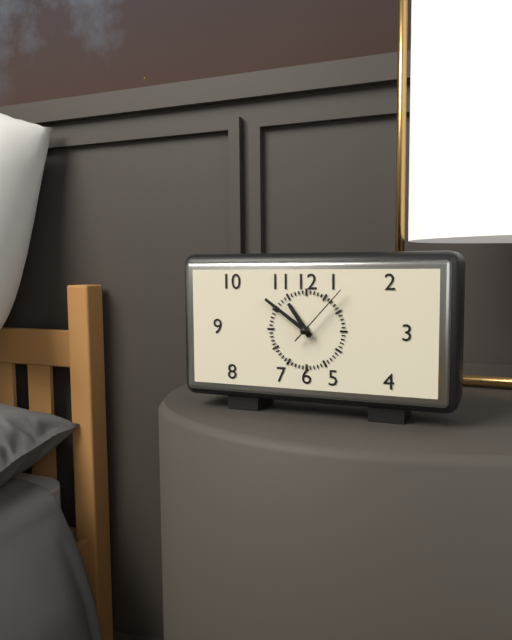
10:51:07
